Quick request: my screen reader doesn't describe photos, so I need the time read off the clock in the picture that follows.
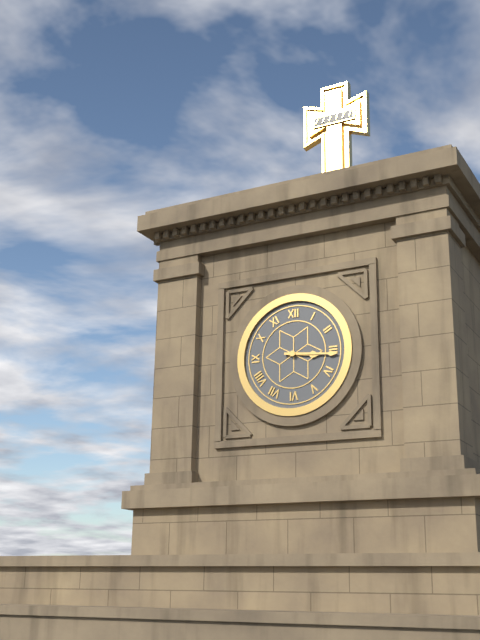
3:16
